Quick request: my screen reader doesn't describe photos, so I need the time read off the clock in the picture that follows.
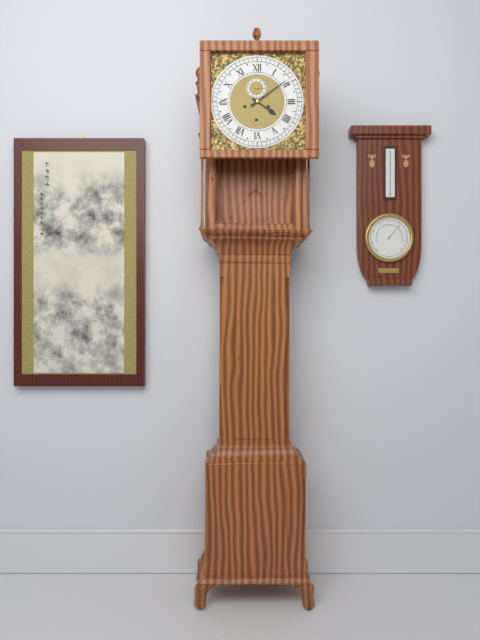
4:09
